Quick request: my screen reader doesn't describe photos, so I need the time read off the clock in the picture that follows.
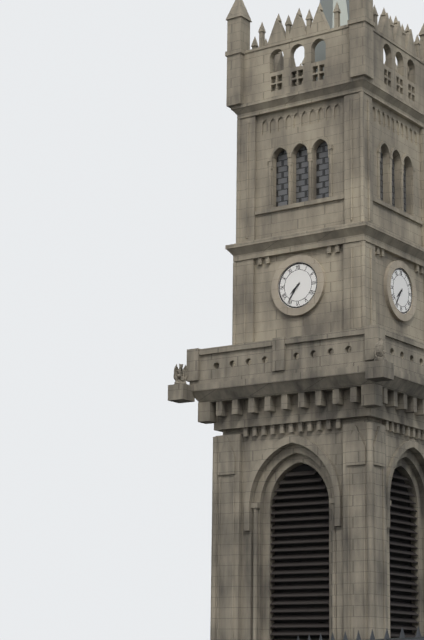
7:36
